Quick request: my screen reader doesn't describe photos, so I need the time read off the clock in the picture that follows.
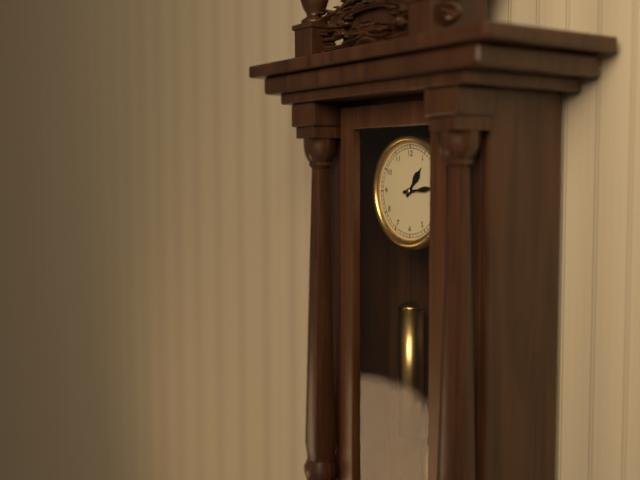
1:14
